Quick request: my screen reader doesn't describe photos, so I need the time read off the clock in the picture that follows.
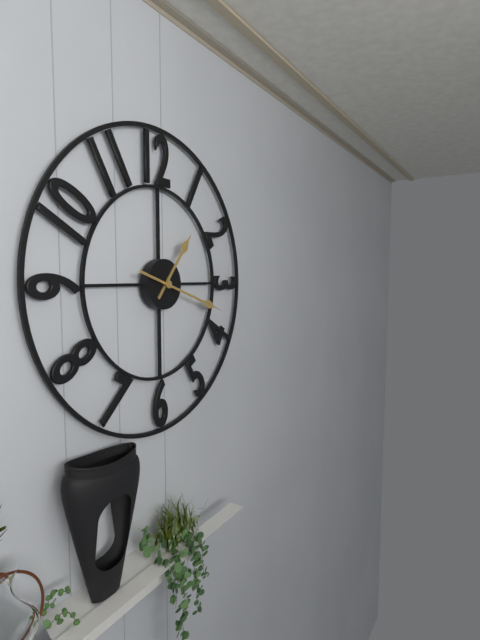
1:18
